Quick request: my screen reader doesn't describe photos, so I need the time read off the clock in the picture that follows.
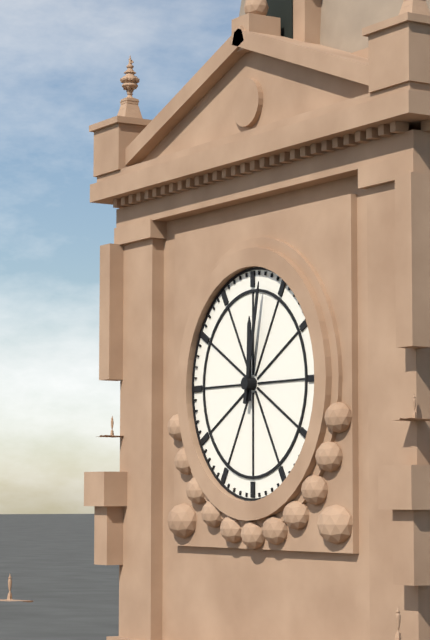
12:02
